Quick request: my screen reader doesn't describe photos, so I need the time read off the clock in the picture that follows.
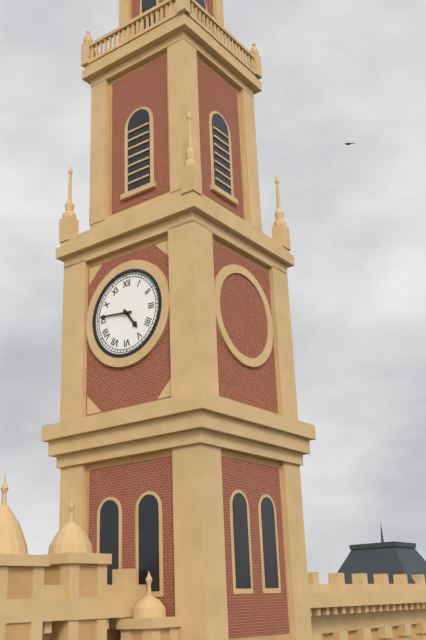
4:46
